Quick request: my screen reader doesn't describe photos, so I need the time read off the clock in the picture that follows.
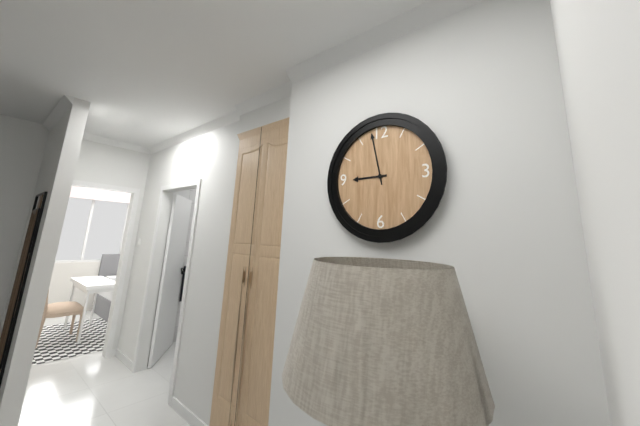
8:58
